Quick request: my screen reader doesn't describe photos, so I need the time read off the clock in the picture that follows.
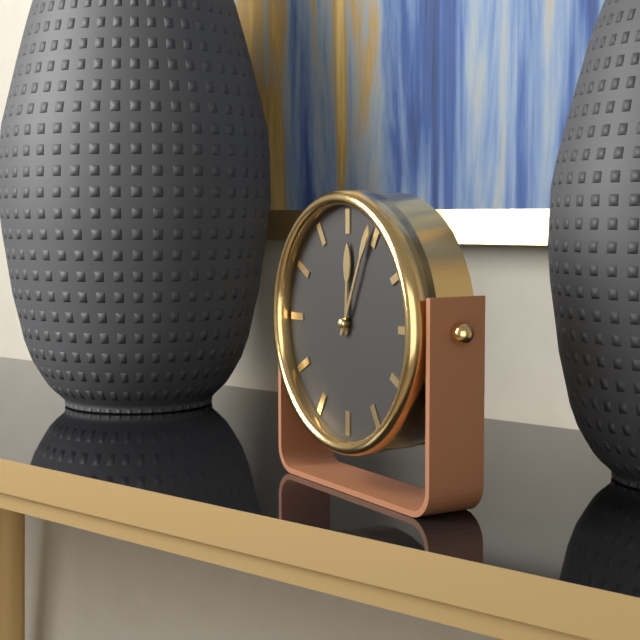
12:04
